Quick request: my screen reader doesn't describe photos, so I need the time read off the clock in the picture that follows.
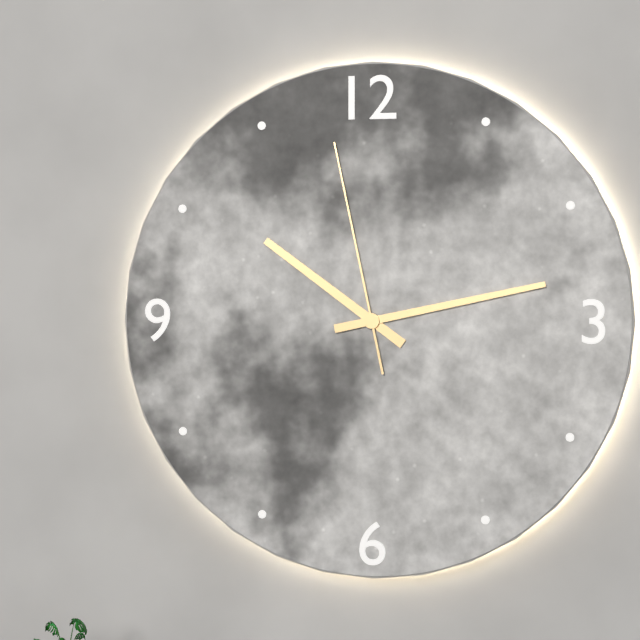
10:13:58
